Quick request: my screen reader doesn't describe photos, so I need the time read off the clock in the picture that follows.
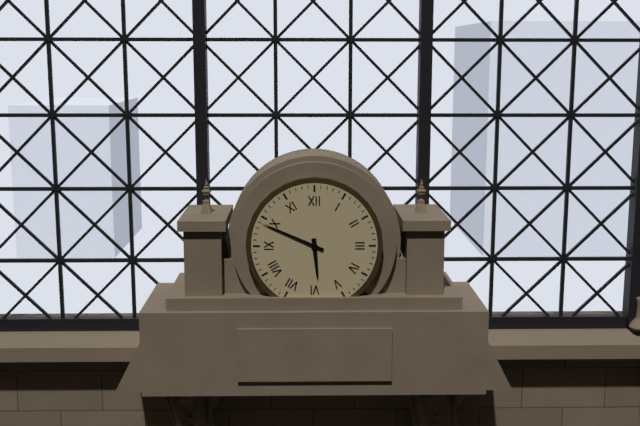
5:49
